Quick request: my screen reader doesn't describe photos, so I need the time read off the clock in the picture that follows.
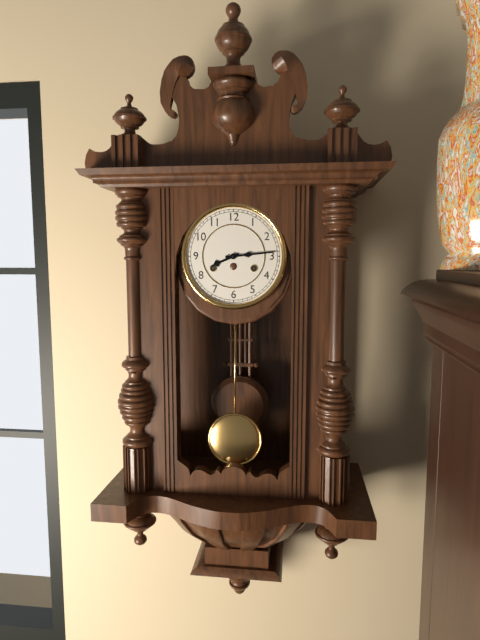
8:14
